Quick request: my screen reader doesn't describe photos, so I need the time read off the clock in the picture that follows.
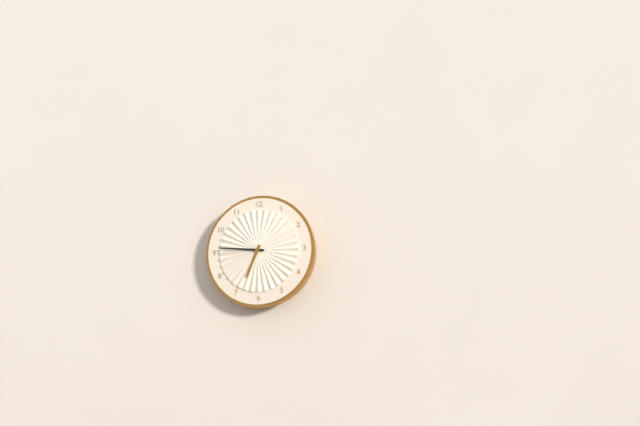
6:46
